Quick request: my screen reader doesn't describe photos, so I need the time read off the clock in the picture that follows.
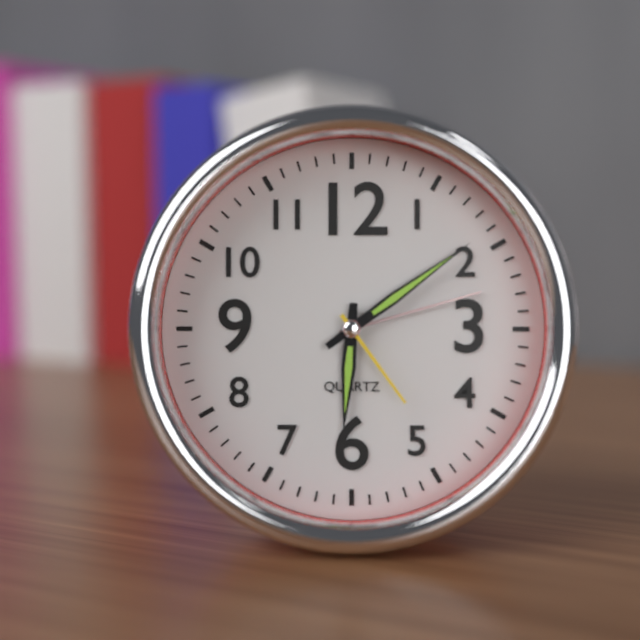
6:09:24
